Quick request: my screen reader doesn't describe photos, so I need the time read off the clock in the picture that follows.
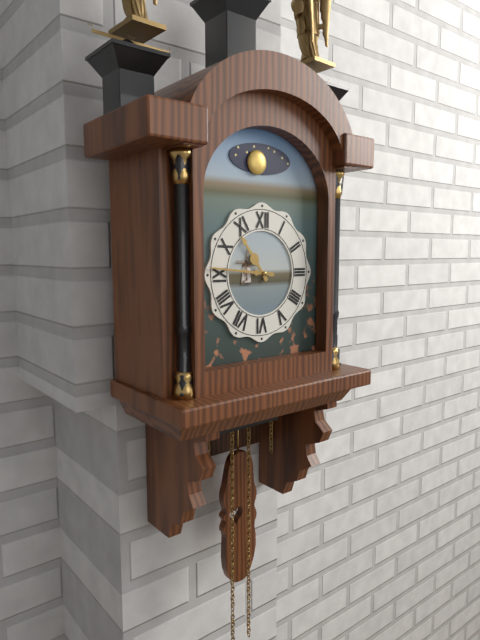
10:46
